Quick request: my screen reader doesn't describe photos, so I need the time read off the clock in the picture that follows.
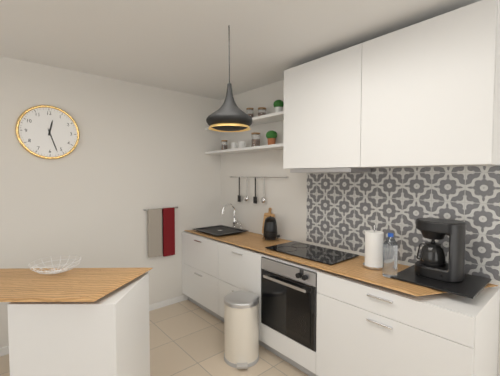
12:27
